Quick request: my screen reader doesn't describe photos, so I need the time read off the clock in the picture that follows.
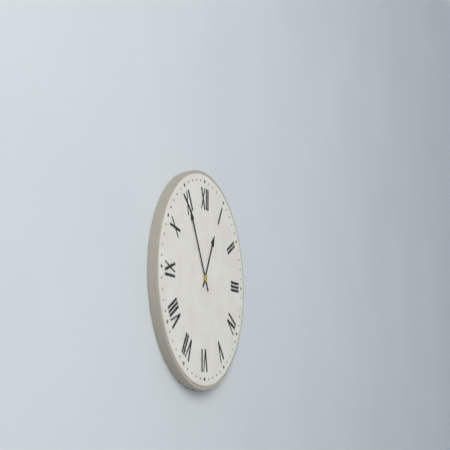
12:55
